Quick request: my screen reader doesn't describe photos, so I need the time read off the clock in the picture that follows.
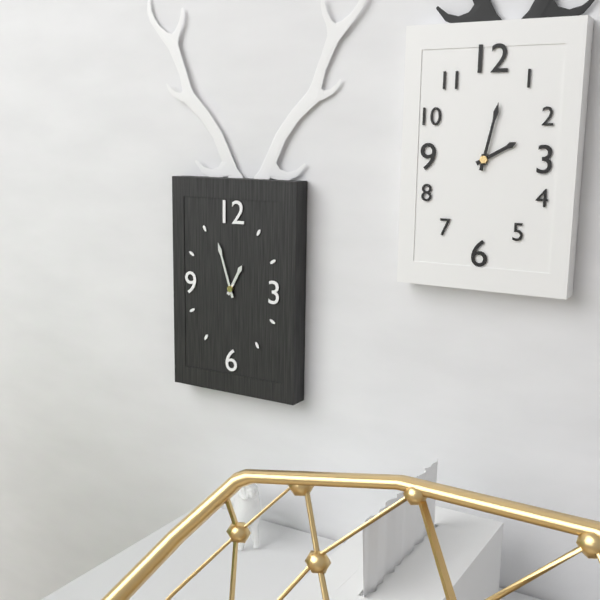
12:57
